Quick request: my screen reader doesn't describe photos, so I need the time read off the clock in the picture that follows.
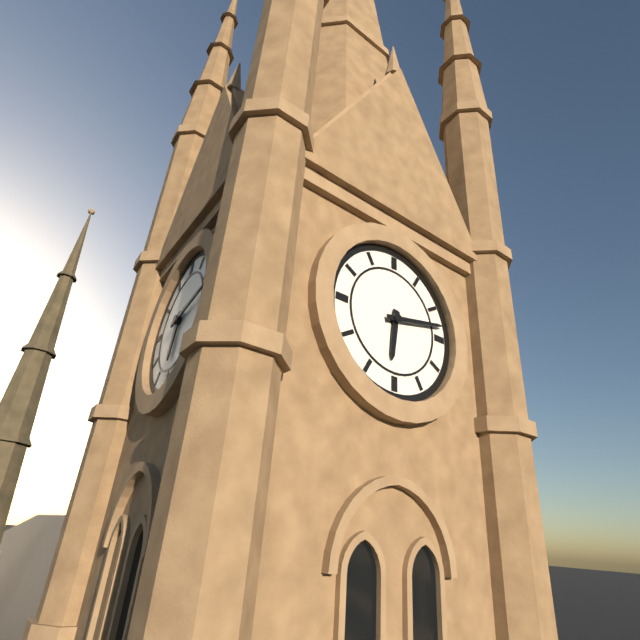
6:13
